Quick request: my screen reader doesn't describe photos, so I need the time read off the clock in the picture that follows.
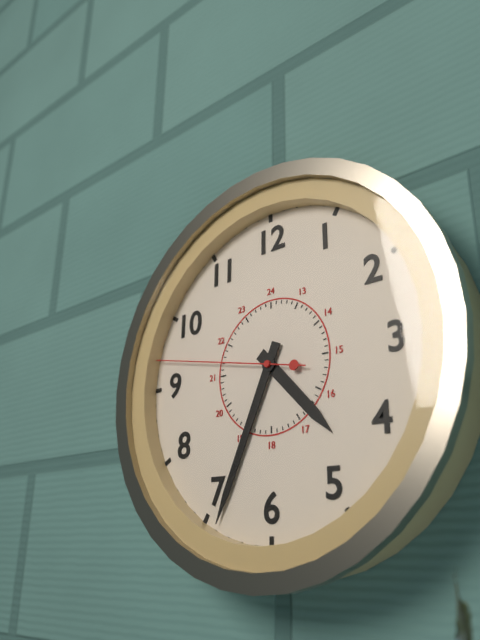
4:34:47
